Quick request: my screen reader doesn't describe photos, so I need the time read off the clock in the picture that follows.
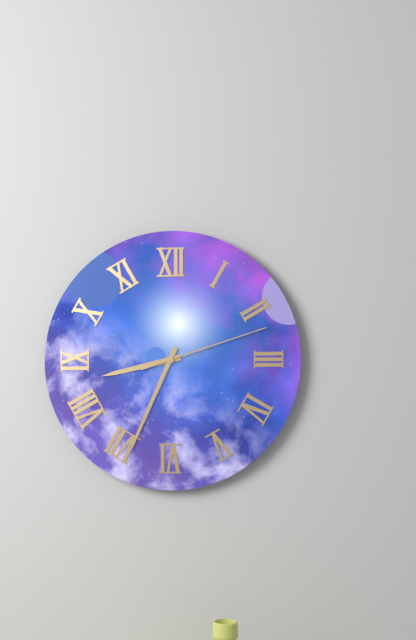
8:34:12
